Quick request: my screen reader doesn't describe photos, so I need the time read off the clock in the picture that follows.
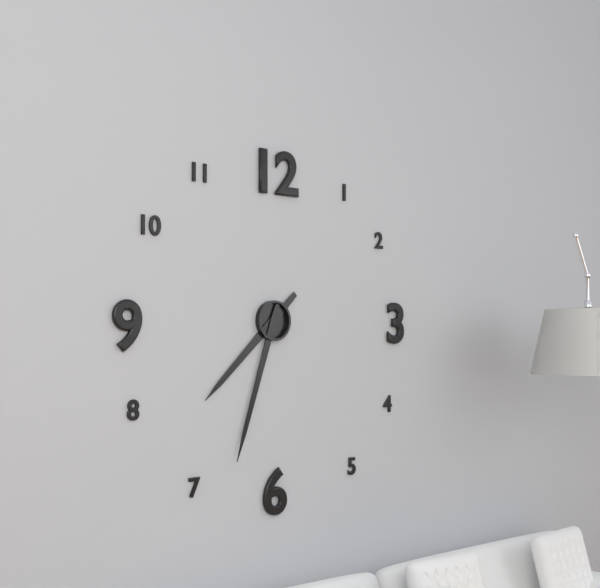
7:33
